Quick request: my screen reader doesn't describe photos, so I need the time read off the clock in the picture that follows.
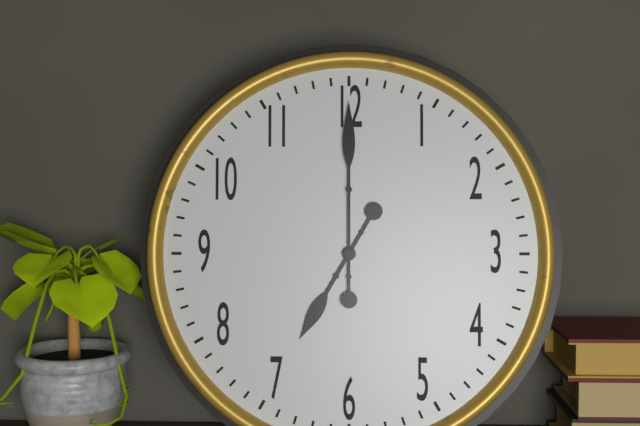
7:00
